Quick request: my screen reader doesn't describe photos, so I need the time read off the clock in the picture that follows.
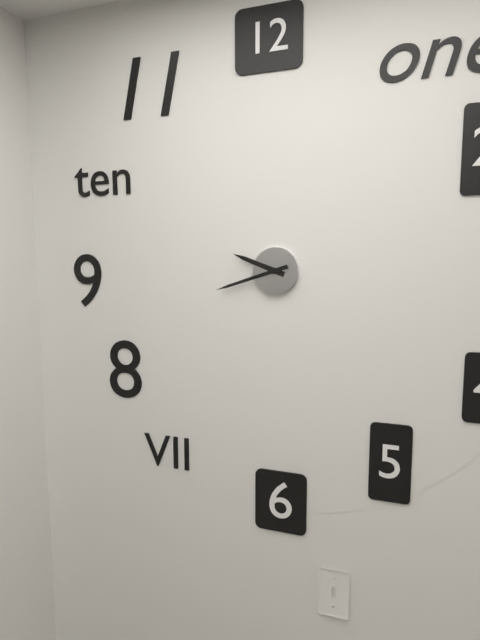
9:42
